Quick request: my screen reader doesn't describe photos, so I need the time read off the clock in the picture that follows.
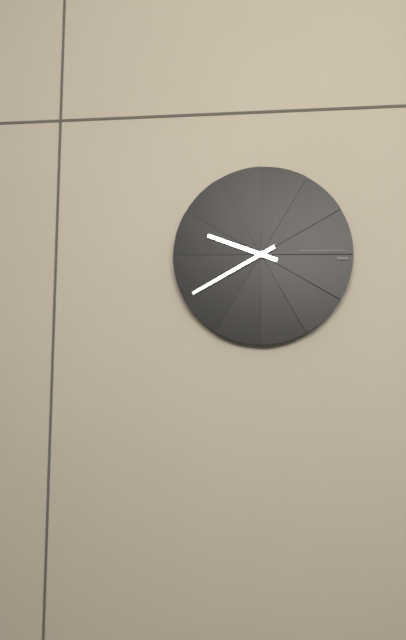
9:40
